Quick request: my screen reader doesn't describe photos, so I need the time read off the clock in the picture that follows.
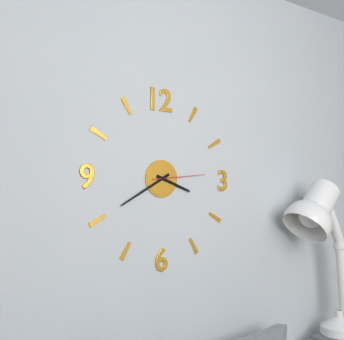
3:40:14
